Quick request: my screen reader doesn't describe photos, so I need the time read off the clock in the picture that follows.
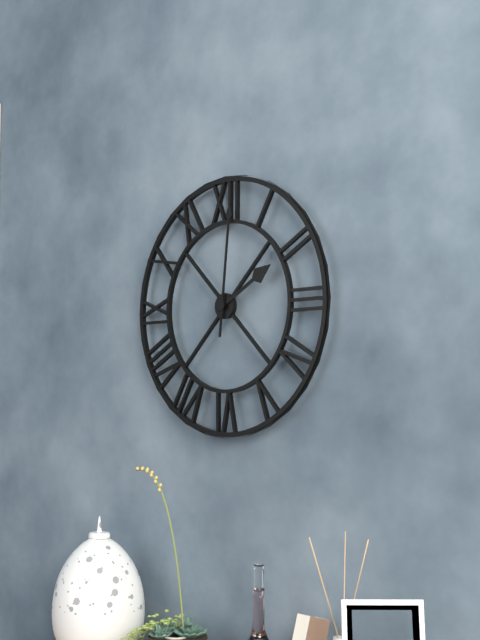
2:01
